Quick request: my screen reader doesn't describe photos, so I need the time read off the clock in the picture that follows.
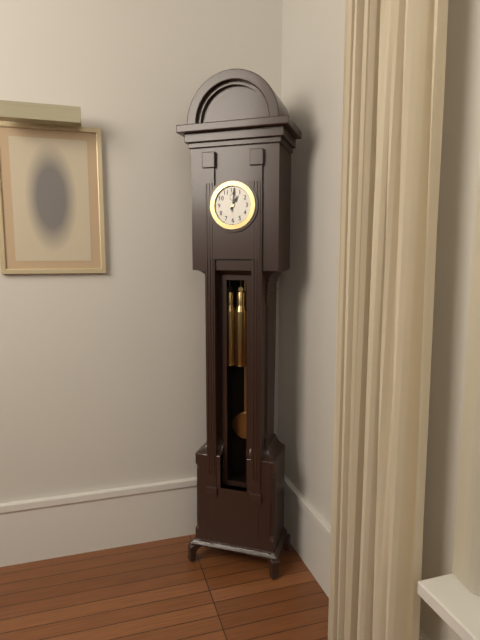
1:01
